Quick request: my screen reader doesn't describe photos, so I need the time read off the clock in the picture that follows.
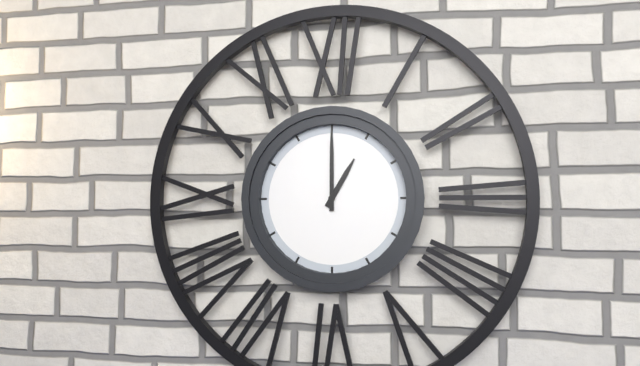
1:00
